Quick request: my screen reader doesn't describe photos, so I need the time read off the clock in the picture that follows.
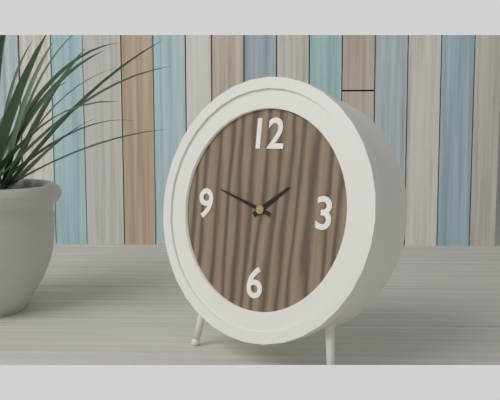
1:48
